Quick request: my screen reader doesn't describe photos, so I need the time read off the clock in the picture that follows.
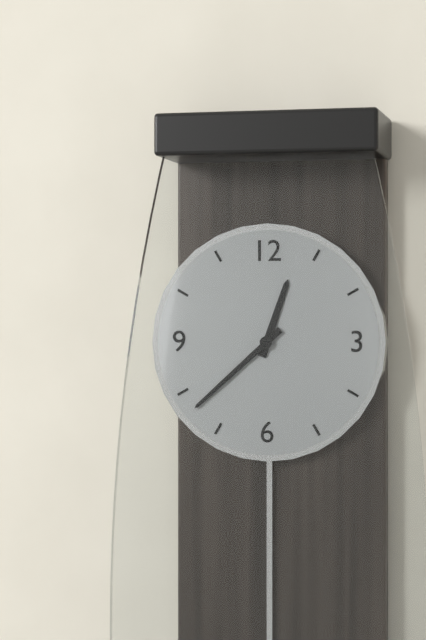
12:38
